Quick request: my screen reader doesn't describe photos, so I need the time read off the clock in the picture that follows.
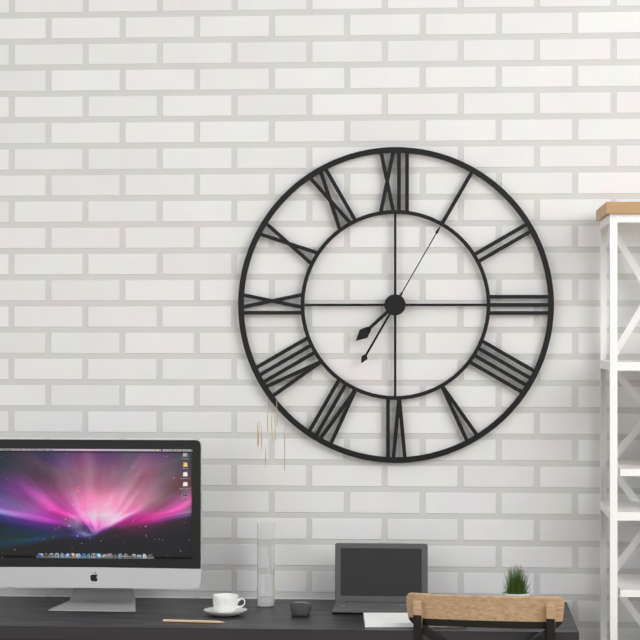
7:35:05
